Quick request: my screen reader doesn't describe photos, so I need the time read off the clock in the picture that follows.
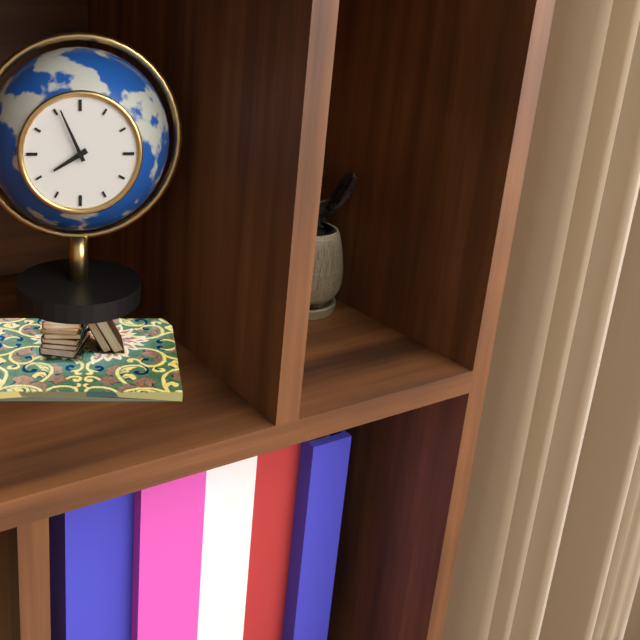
7:56
